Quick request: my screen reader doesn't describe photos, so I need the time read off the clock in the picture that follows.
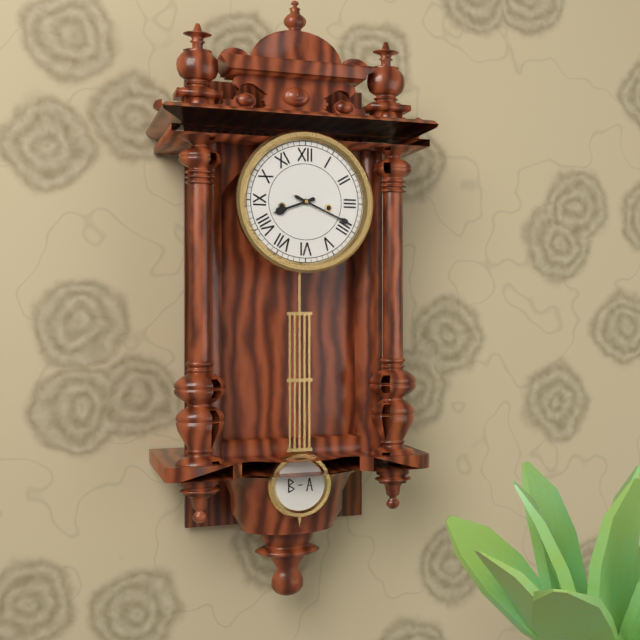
8:19
